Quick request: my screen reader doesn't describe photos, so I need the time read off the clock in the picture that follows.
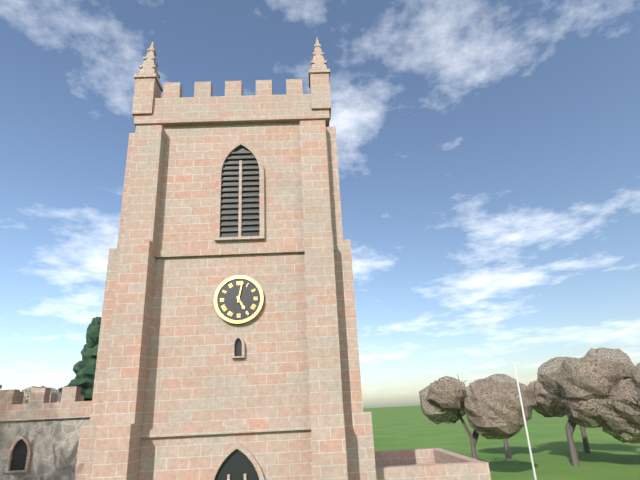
5:02
